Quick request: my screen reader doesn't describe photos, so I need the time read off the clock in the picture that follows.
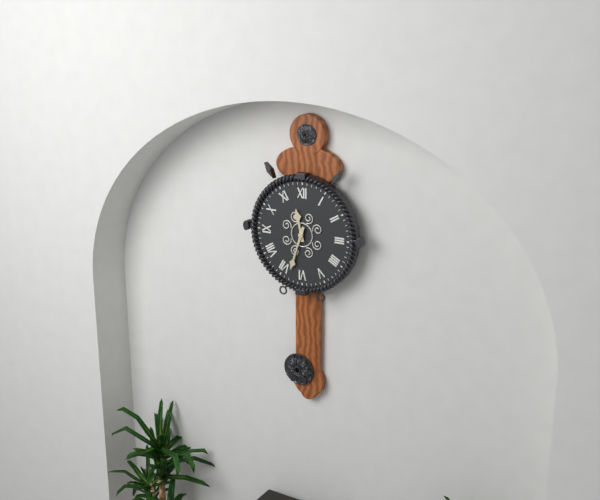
11:33
